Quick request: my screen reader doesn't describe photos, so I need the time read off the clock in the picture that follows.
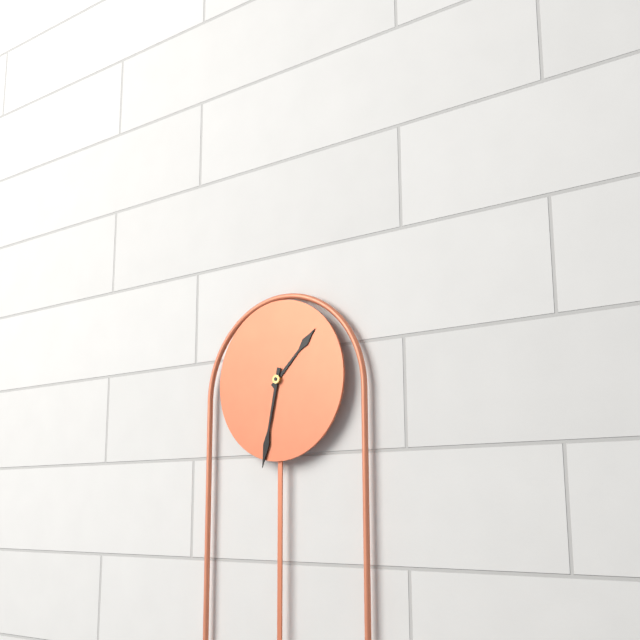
1:32
